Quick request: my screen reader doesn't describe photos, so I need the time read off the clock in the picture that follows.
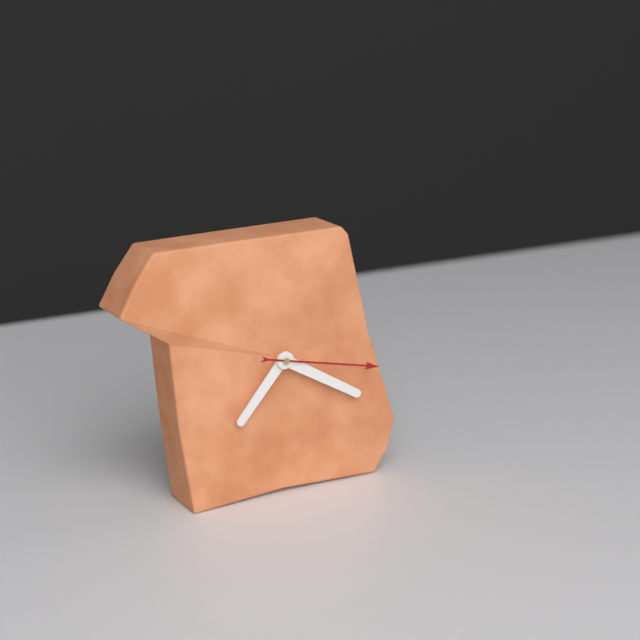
7:20:17
